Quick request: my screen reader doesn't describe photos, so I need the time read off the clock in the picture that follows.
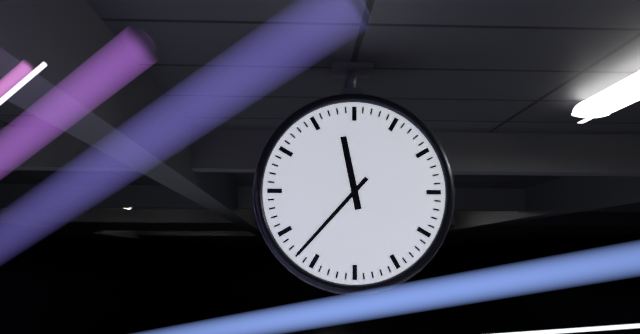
11:37
